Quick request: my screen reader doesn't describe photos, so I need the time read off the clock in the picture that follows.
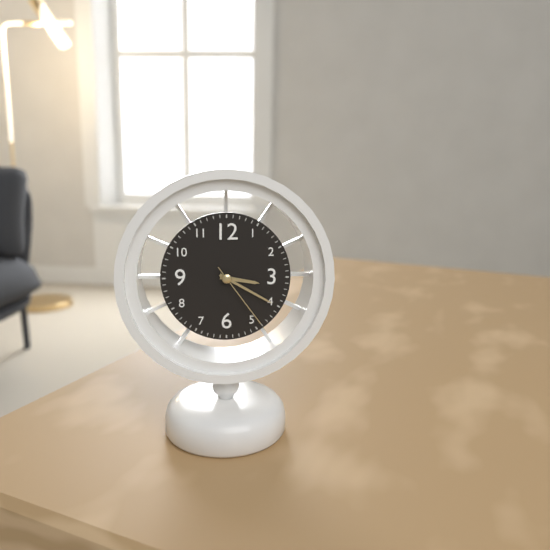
3:20:24
